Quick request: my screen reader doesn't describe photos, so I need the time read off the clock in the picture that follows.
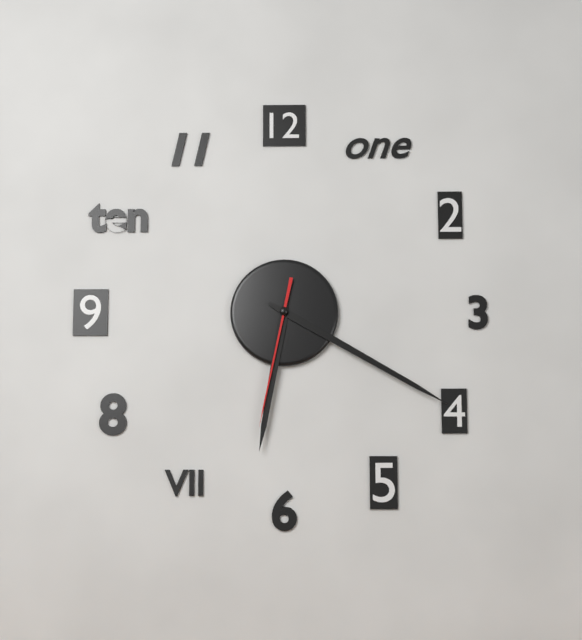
6:20:32
